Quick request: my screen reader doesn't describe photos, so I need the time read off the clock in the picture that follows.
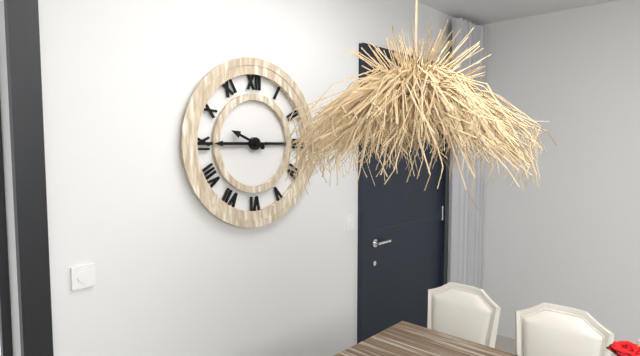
9:45
